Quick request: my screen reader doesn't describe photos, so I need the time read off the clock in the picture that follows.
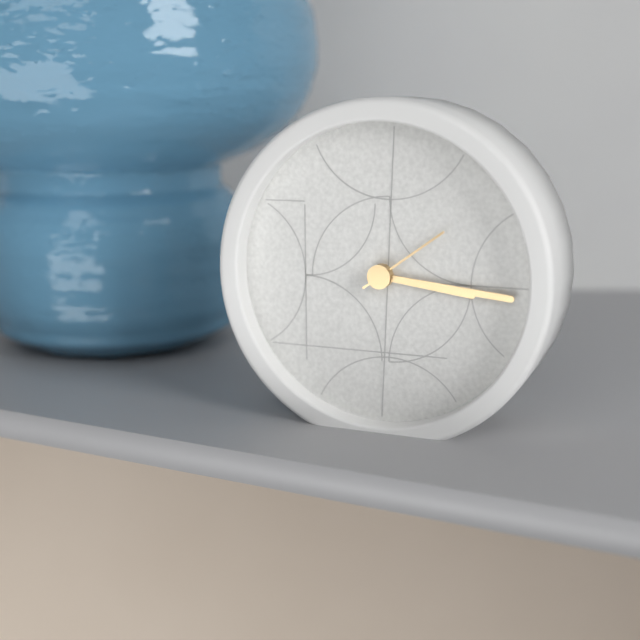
3:16:09
